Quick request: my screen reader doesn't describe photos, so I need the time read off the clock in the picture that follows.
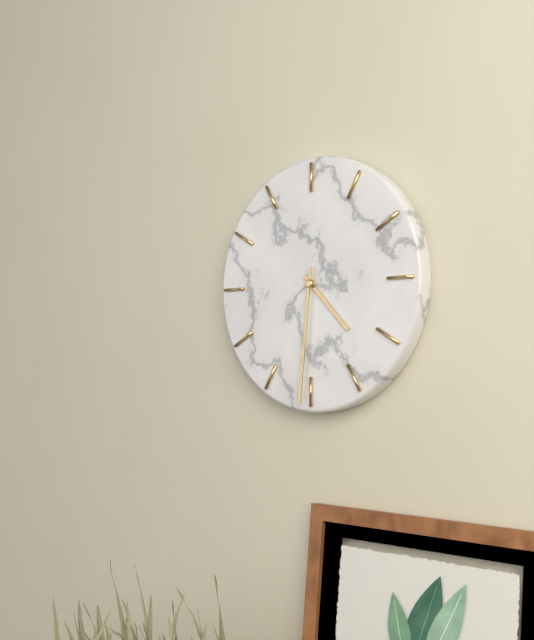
4:31
